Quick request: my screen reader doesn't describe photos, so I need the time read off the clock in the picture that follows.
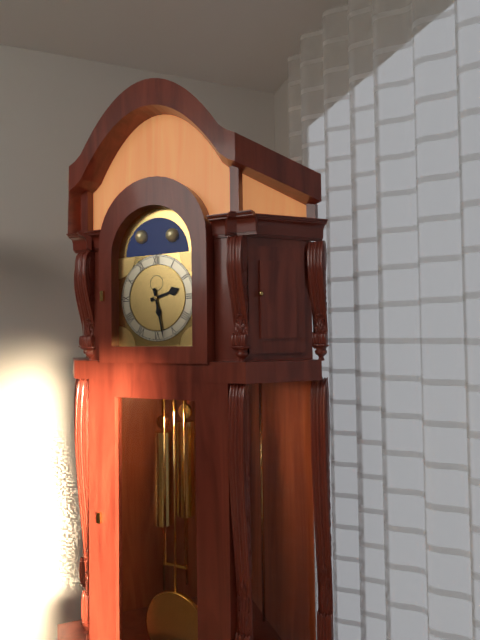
2:28
